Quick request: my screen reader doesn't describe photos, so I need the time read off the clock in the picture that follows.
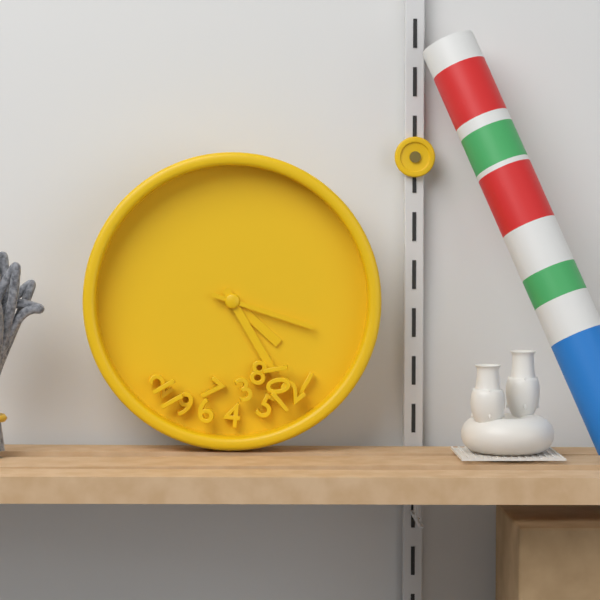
4:25:18
